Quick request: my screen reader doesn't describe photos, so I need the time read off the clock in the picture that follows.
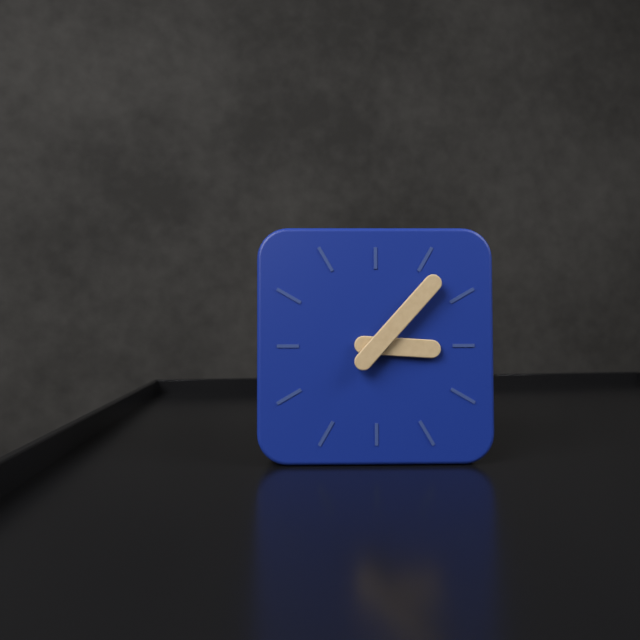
3:07
